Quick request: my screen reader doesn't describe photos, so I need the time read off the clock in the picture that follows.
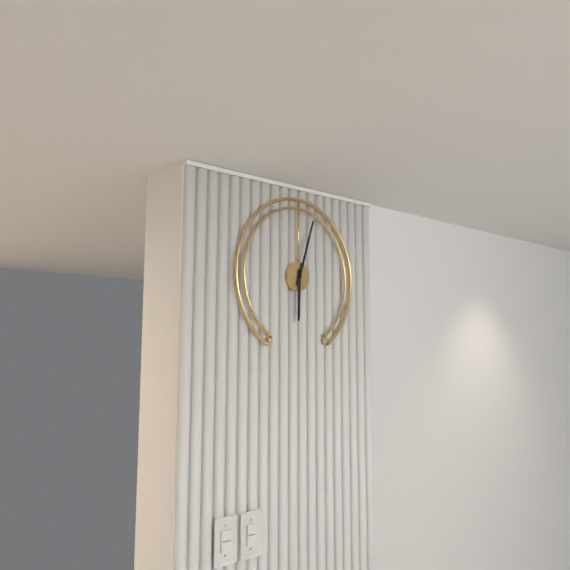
6:03
